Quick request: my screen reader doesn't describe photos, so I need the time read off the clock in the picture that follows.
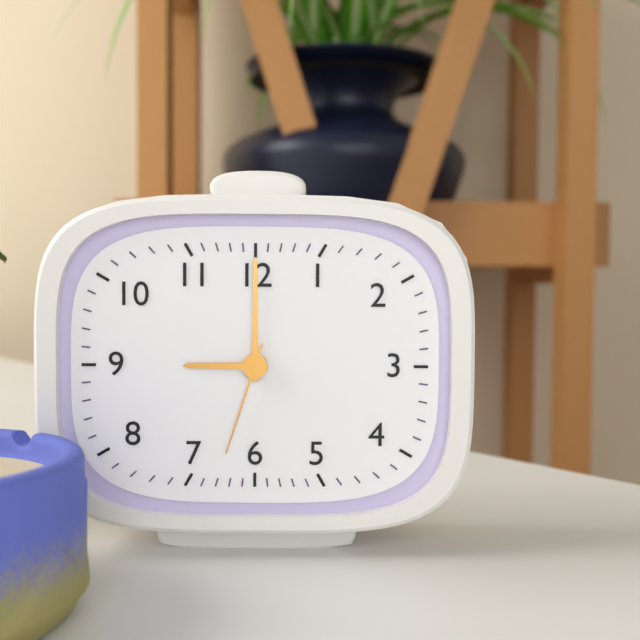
9:00:33
